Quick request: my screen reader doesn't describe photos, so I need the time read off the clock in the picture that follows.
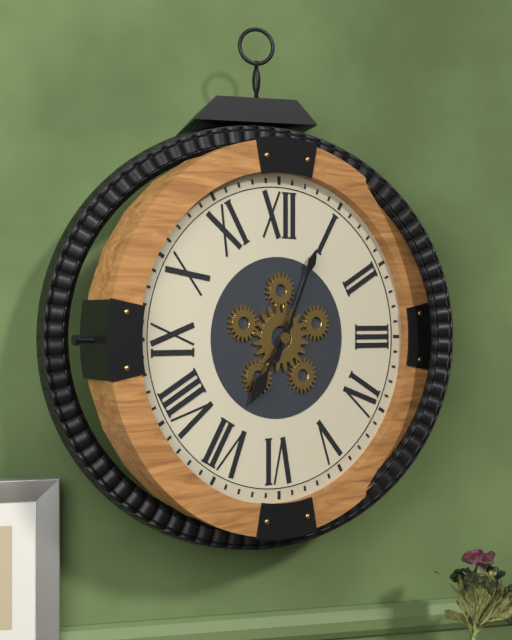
7:04
